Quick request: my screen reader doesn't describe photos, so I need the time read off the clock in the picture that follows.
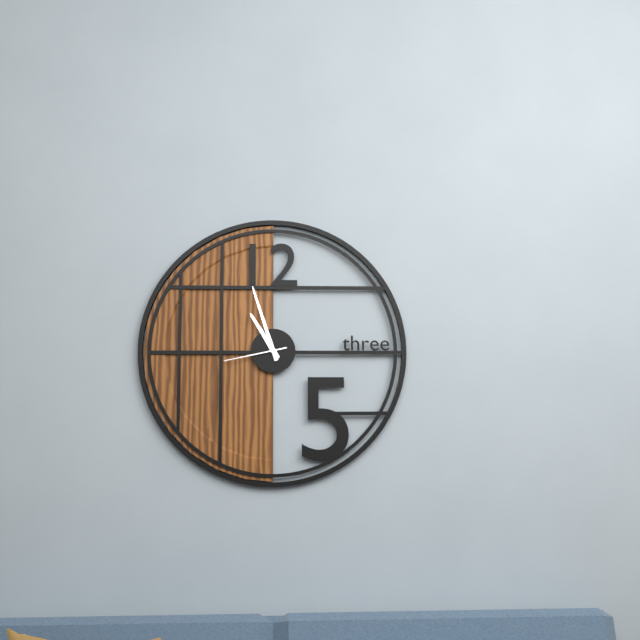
10:57:43
